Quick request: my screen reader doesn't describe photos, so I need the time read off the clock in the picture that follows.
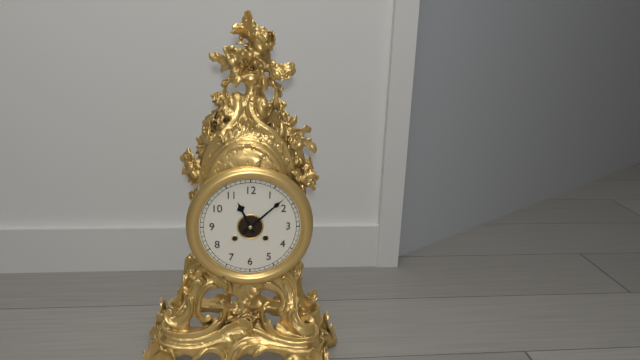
11:08
